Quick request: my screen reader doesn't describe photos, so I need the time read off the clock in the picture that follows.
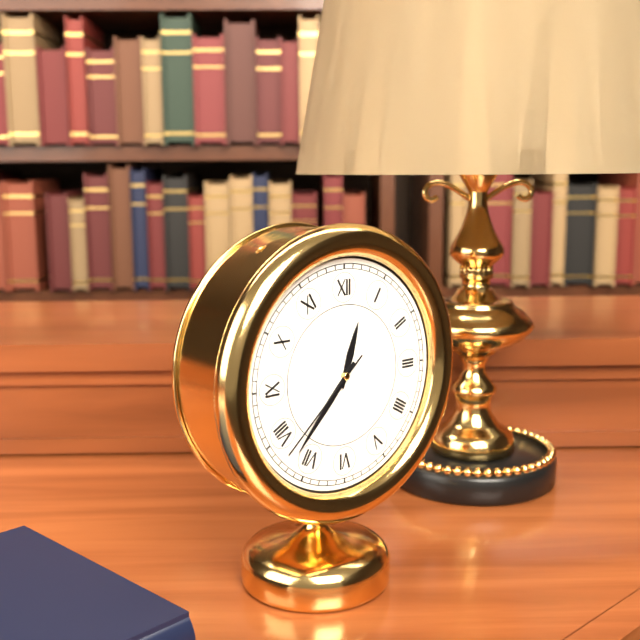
12:37:38
